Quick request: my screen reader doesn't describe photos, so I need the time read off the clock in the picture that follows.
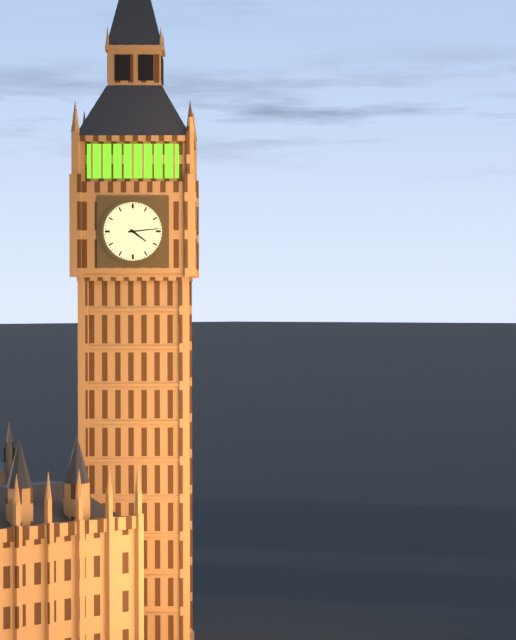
4:14
